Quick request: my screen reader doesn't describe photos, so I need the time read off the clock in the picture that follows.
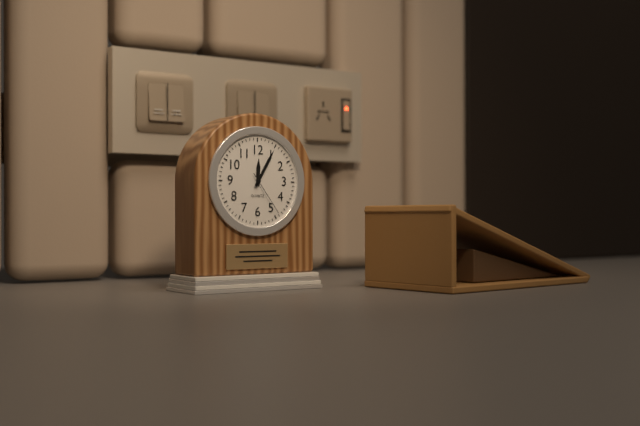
12:05
